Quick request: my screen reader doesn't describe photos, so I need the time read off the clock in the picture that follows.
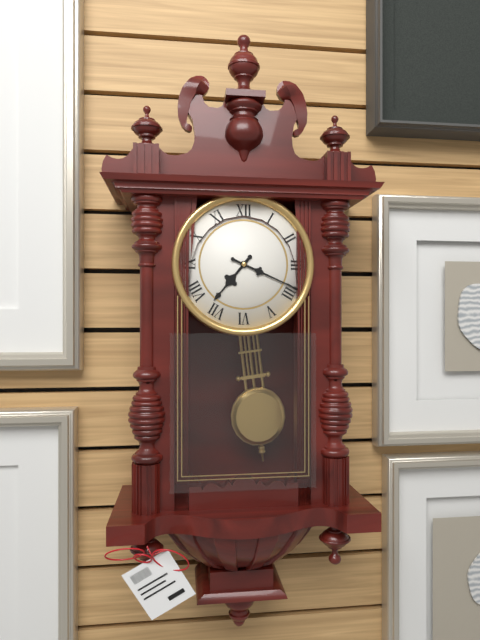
7:19
